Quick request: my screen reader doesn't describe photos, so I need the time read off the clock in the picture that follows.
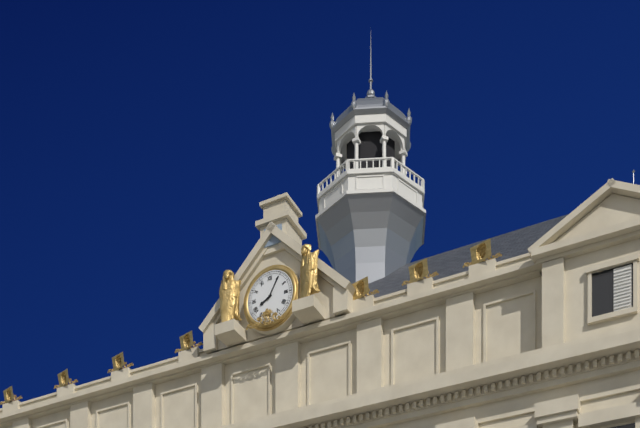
8:05
